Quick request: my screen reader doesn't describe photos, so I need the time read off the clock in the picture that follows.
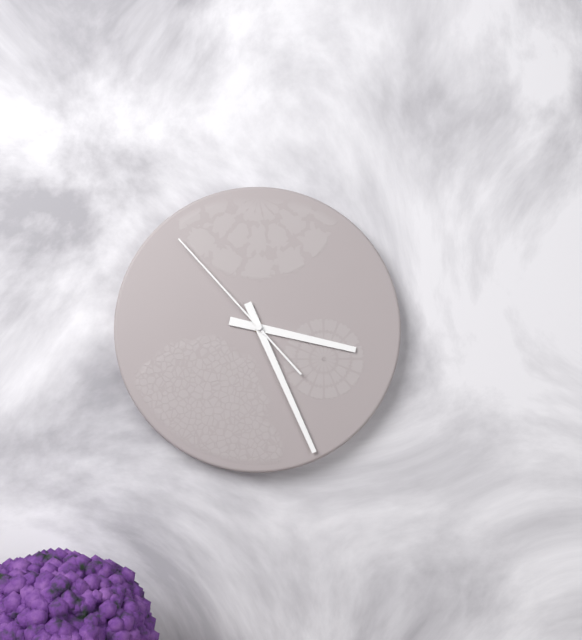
3:26:53
